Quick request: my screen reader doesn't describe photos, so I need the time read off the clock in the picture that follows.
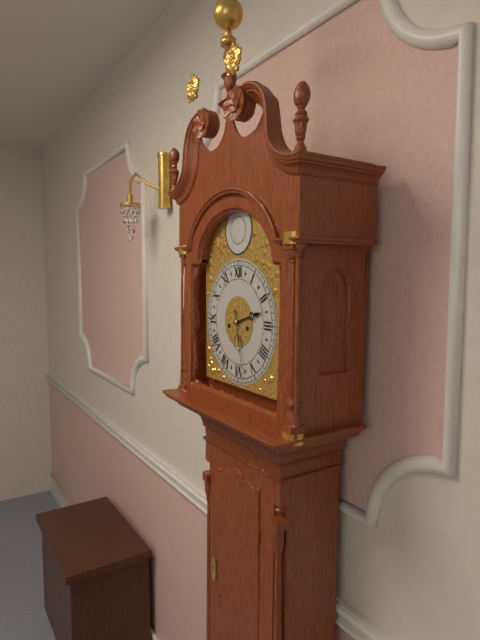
2:28
